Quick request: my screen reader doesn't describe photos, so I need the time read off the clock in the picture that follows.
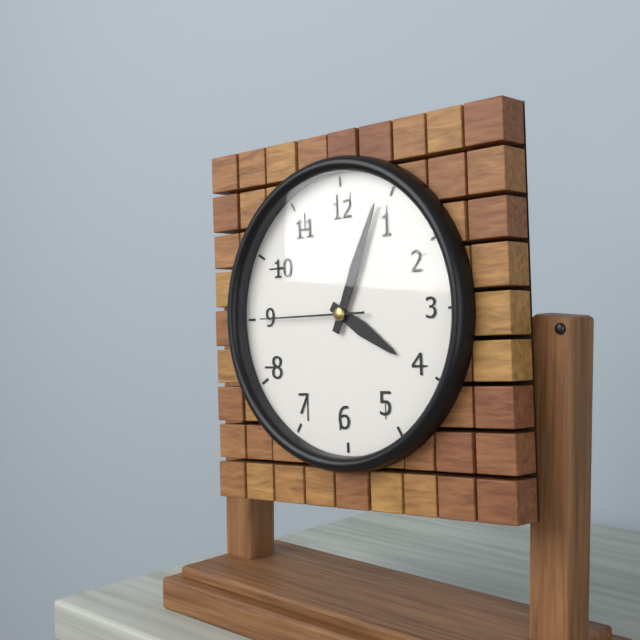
4:04:45
